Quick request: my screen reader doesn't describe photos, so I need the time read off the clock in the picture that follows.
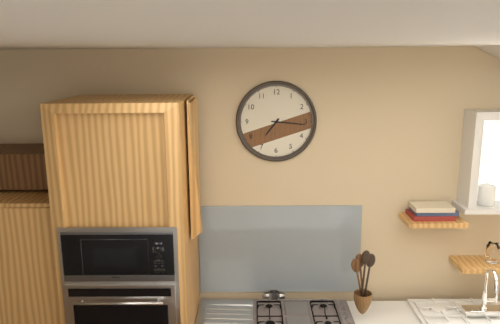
7:16
